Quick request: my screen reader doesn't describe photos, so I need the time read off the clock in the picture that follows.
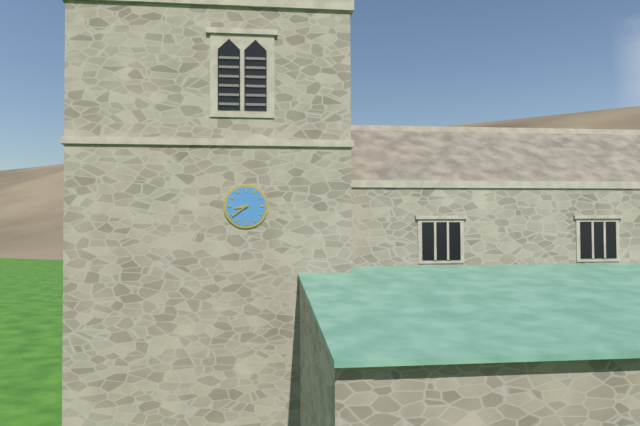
8:39
